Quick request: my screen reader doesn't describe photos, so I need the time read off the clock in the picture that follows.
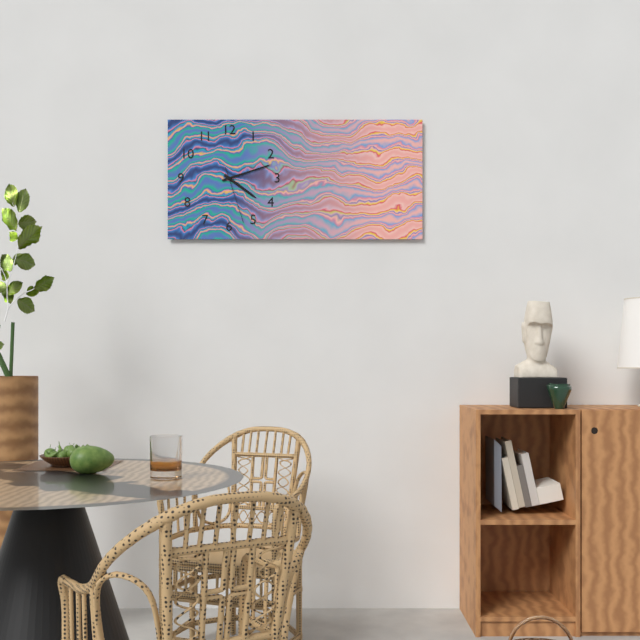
4:12:27
